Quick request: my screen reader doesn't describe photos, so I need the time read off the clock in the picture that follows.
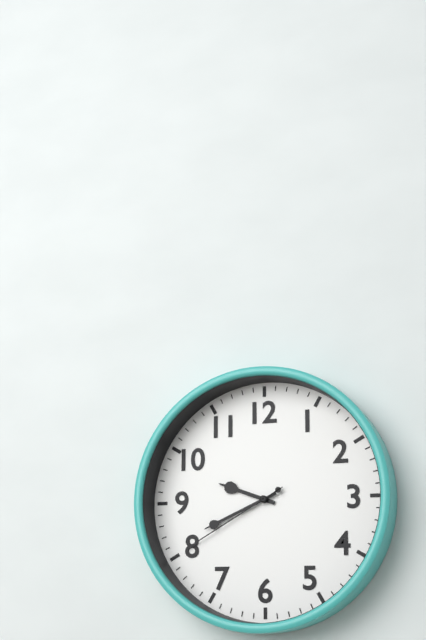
9:41:40
